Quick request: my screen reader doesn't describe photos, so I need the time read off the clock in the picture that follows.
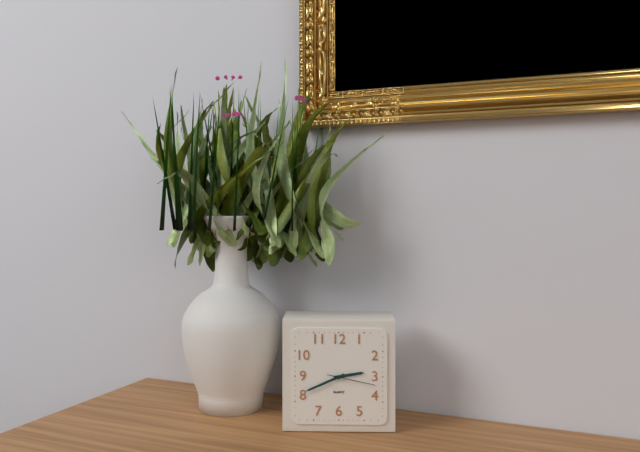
2:41
